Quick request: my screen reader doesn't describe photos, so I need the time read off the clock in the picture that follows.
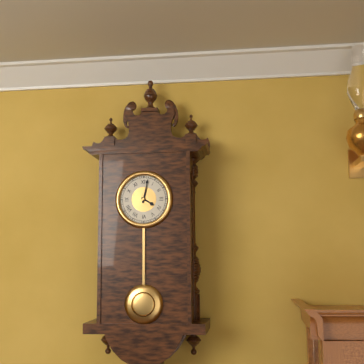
4:02
